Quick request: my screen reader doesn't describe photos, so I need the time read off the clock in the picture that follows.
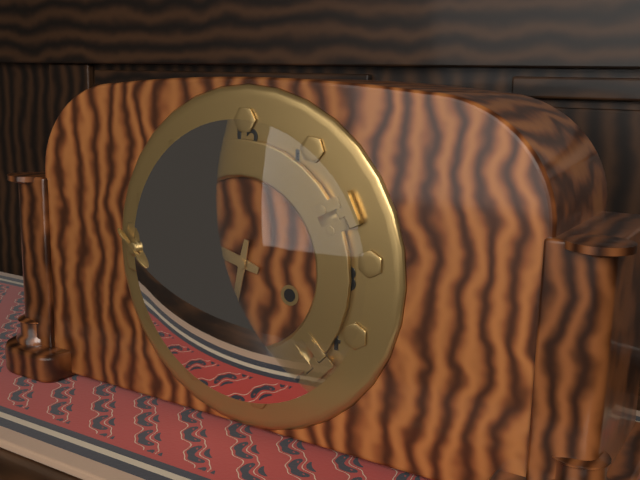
9:32
